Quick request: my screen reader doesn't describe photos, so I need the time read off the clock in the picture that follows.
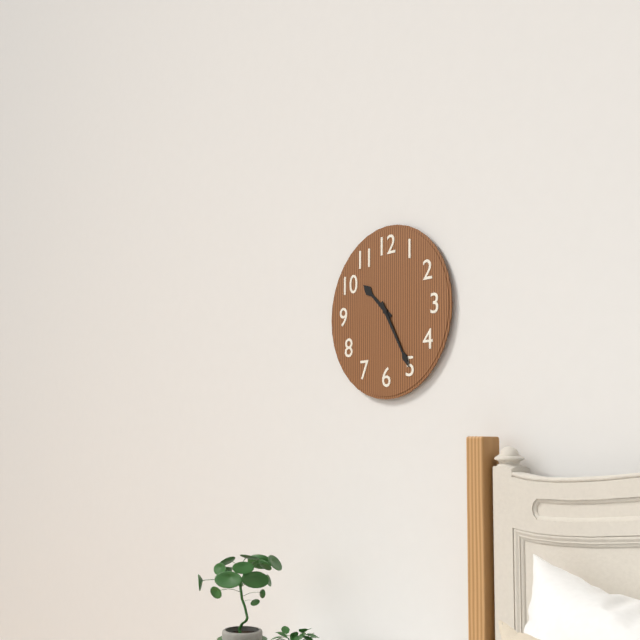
10:25
